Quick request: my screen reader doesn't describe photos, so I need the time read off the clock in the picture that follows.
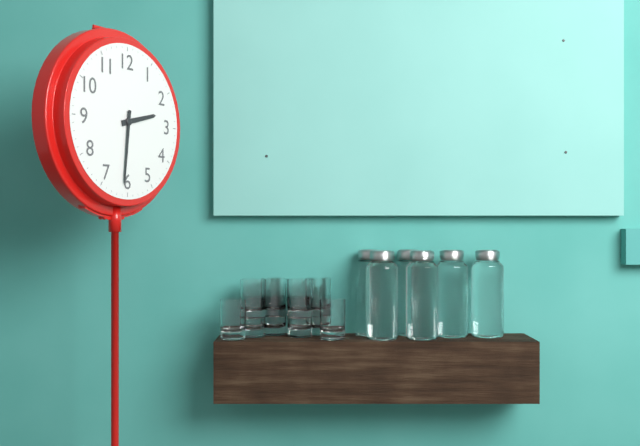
2:31
